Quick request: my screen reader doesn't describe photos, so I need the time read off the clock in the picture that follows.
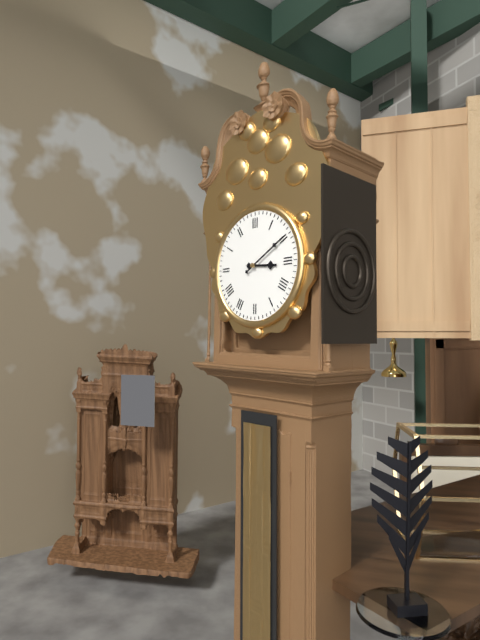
3:10
